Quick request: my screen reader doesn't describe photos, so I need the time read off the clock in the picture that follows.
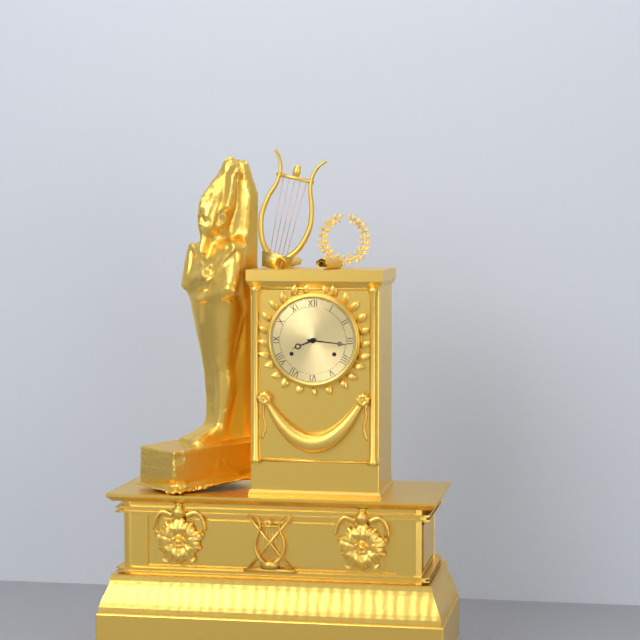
8:16
